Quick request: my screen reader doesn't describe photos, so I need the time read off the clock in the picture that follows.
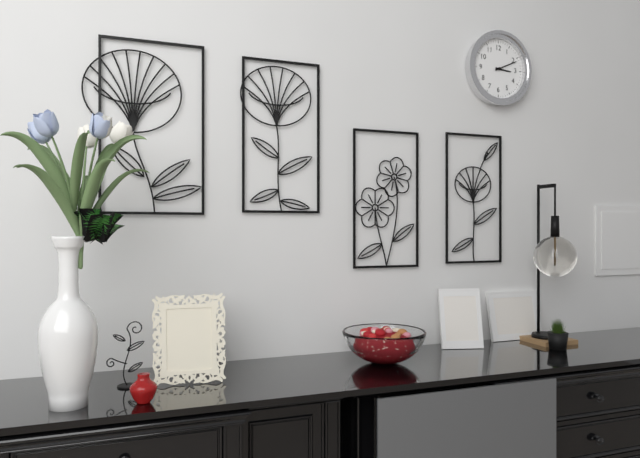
3:11
